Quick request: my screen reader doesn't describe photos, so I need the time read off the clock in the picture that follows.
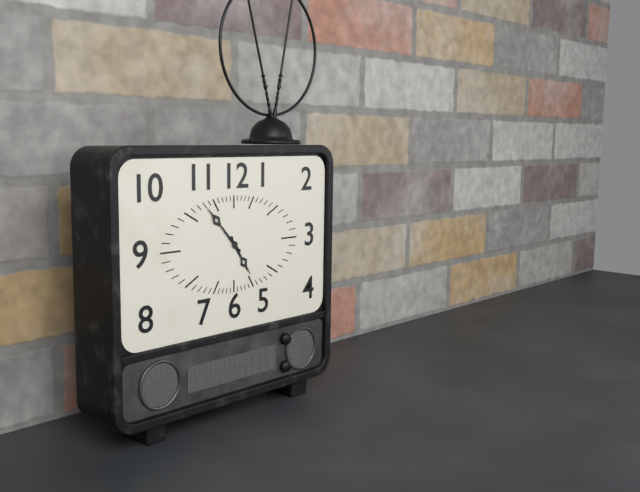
4:53
